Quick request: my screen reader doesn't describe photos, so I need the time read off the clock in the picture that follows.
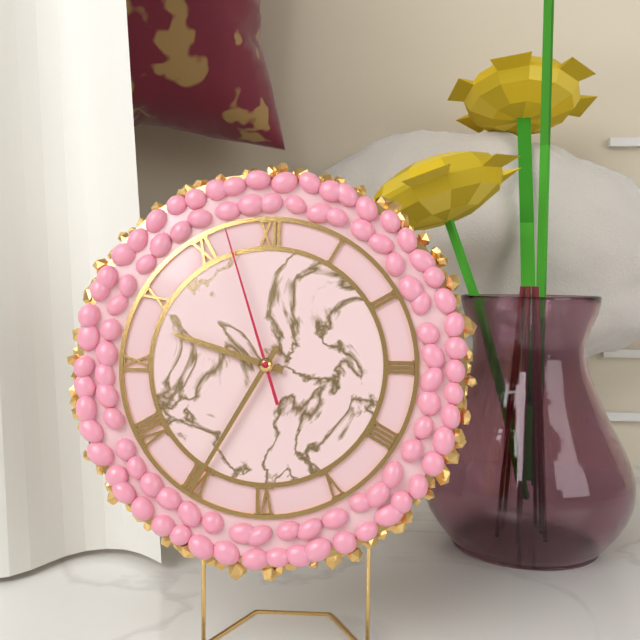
9:35:57
